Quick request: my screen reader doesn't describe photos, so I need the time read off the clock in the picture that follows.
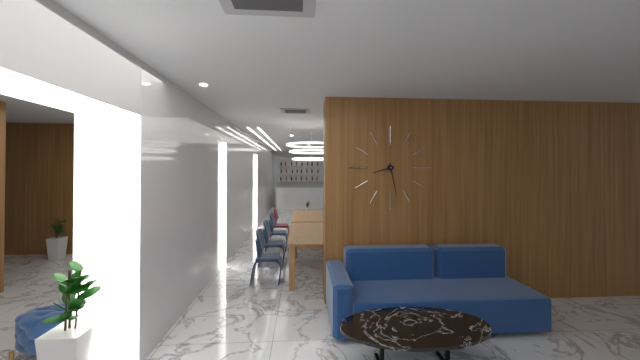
8:28
